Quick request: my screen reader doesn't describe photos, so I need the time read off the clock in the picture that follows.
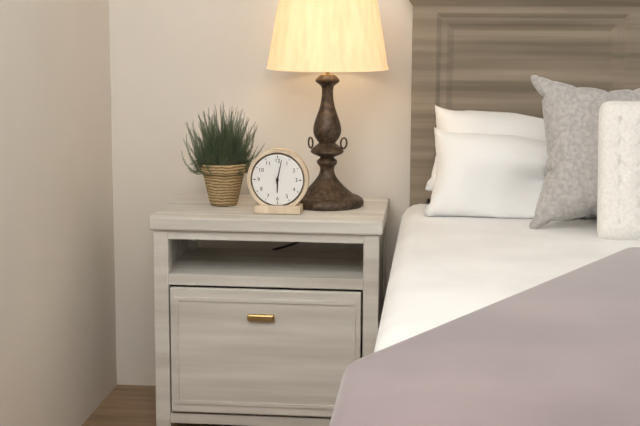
6:02
